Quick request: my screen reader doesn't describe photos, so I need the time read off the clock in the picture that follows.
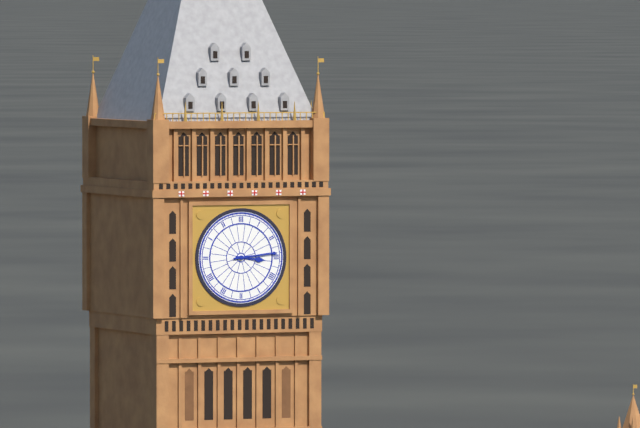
3:14
